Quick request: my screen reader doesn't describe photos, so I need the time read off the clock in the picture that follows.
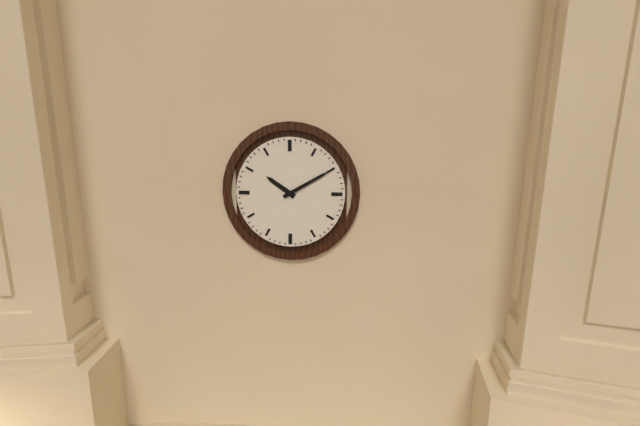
10:10
